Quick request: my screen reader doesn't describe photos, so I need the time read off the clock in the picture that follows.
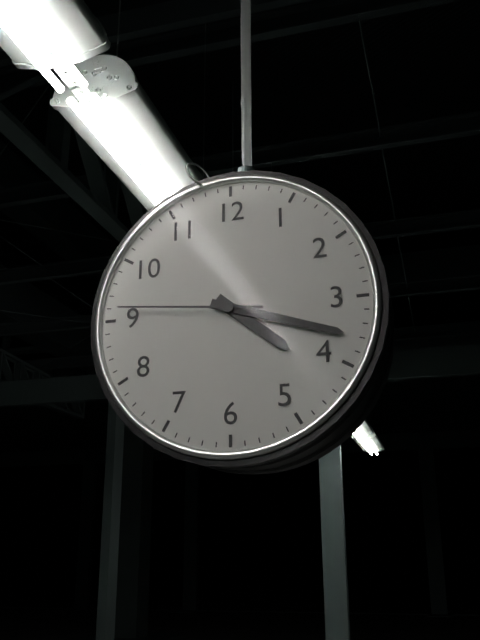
4:18:46
